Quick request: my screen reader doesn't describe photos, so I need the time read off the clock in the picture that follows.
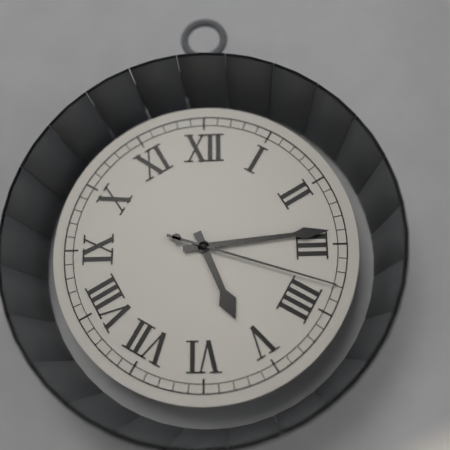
5:14:18
